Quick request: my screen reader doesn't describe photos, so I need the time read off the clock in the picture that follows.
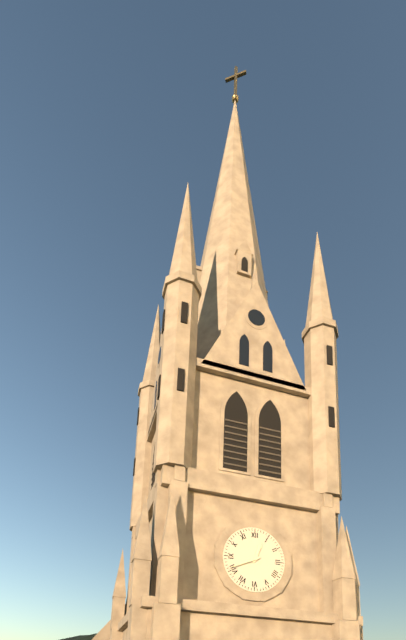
12:41
